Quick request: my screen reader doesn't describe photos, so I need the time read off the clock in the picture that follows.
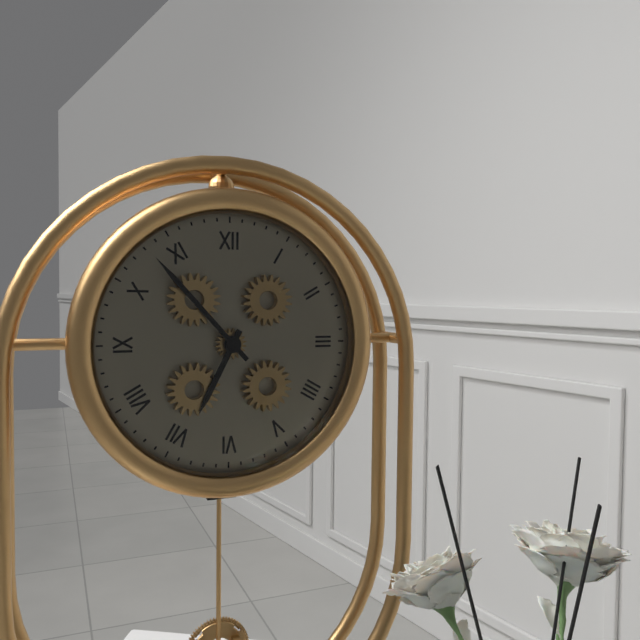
6:53
